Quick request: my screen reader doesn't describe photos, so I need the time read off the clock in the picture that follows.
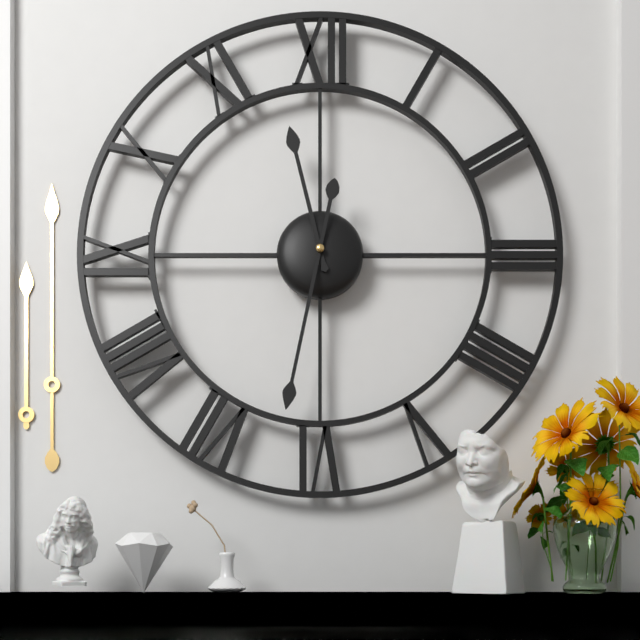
11:32
